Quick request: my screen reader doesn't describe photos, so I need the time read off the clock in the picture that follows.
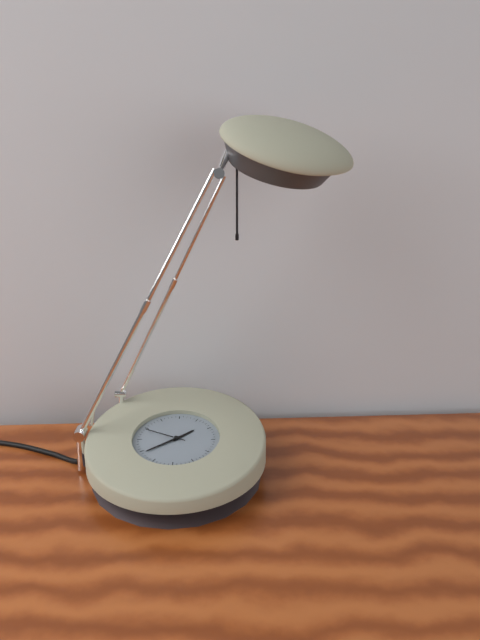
1:39
